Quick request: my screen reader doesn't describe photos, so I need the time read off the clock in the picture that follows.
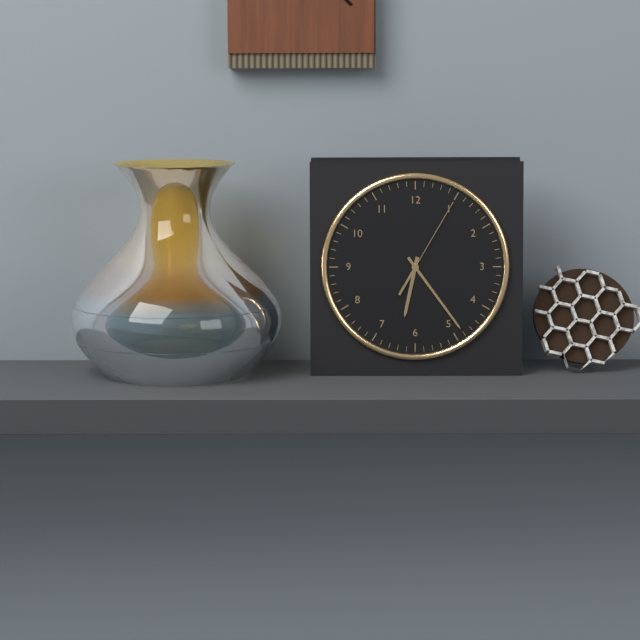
6:24:05
